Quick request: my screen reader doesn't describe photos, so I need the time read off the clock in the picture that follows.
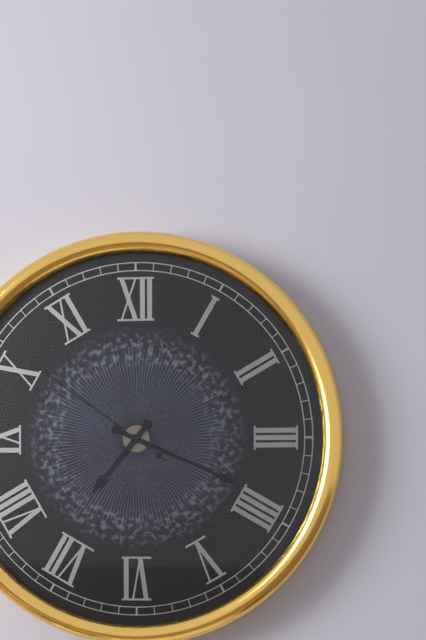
7:19:51
